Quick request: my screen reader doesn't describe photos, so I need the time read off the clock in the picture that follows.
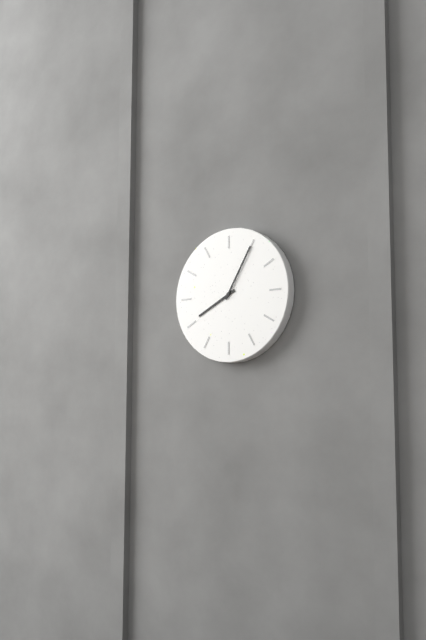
8:05
